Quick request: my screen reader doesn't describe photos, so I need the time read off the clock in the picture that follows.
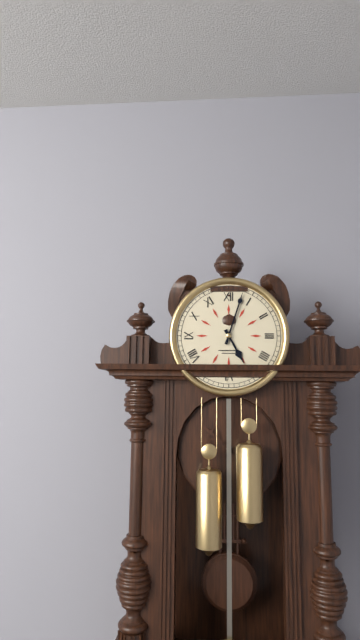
5:03
